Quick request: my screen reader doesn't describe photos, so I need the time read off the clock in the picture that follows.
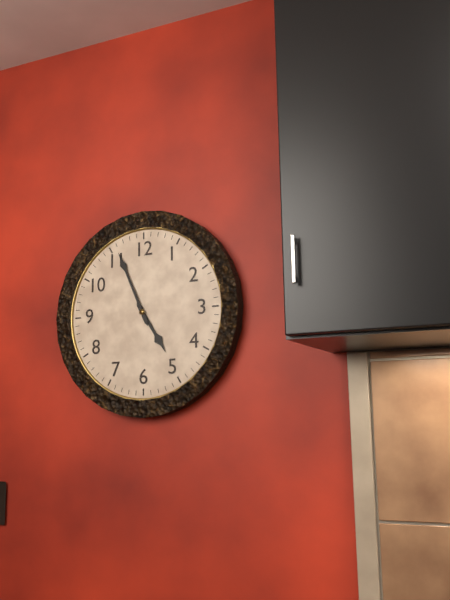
4:56
